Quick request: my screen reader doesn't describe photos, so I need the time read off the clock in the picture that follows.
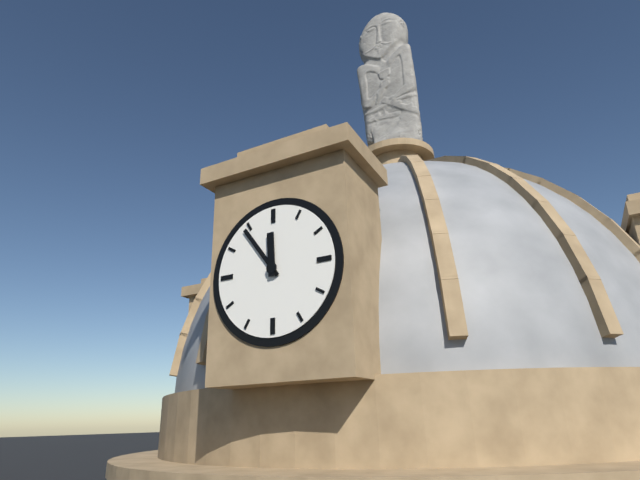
11:54
